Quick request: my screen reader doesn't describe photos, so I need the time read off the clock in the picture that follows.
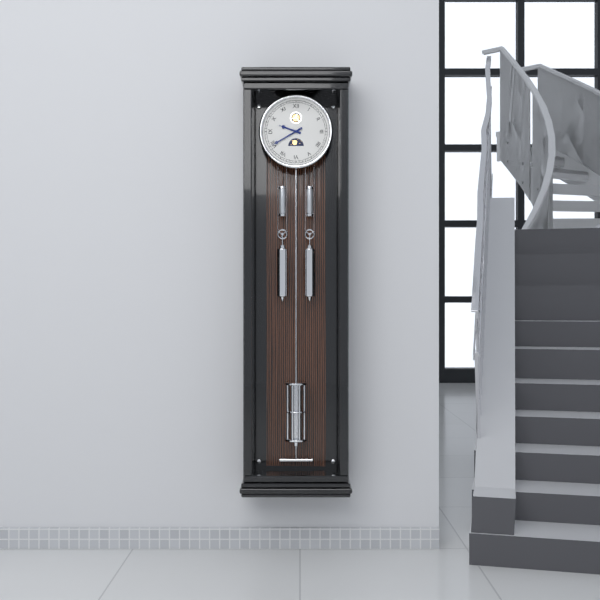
9:40
